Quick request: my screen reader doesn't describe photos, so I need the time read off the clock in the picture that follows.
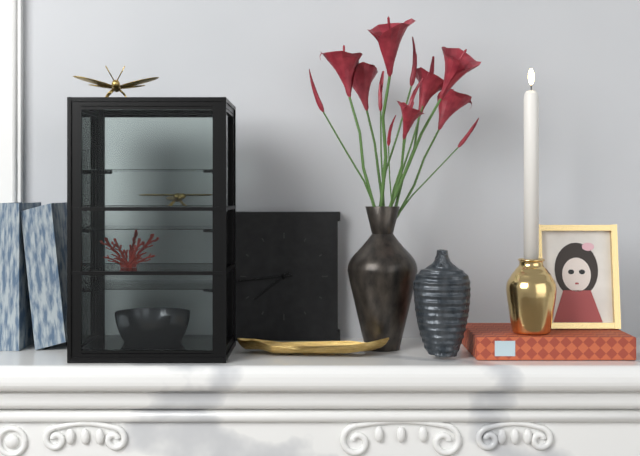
7:44
